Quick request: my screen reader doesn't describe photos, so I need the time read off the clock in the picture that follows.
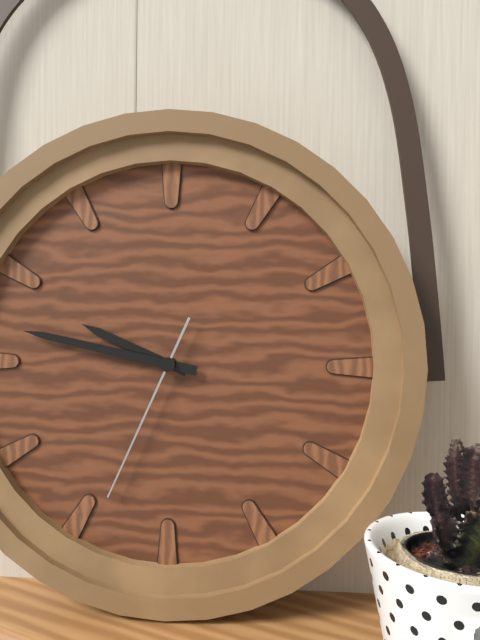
9:47:34
